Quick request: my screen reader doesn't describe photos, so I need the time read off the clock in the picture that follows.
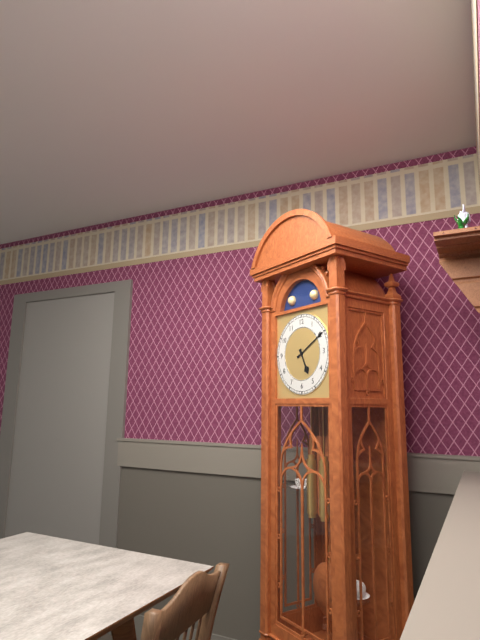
5:10
